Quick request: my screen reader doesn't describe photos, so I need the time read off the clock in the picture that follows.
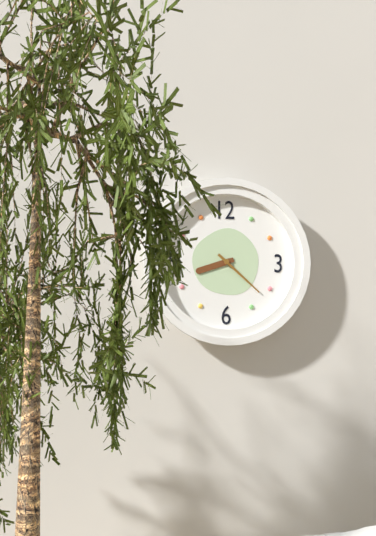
8:22
